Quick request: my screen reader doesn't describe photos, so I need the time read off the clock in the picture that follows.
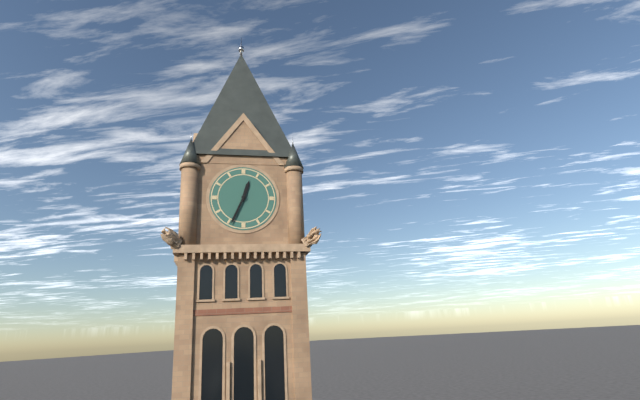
12:34
